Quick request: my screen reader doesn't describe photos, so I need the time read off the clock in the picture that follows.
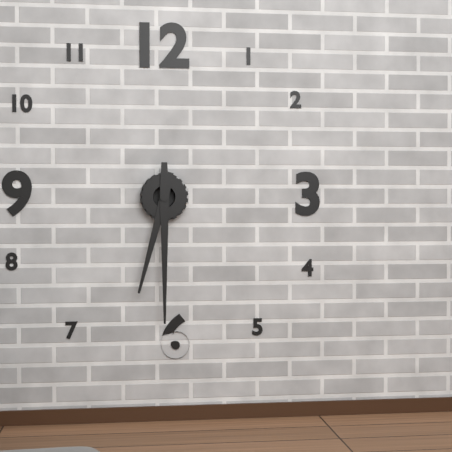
6:30
